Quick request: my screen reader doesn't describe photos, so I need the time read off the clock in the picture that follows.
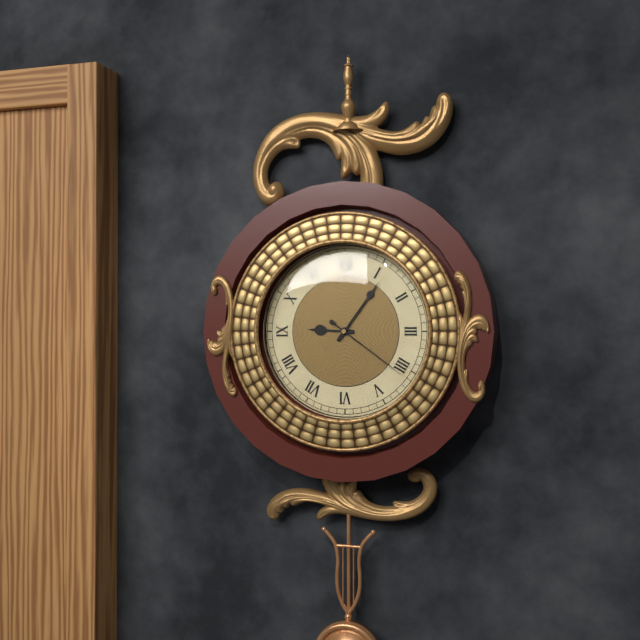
9:06:21
